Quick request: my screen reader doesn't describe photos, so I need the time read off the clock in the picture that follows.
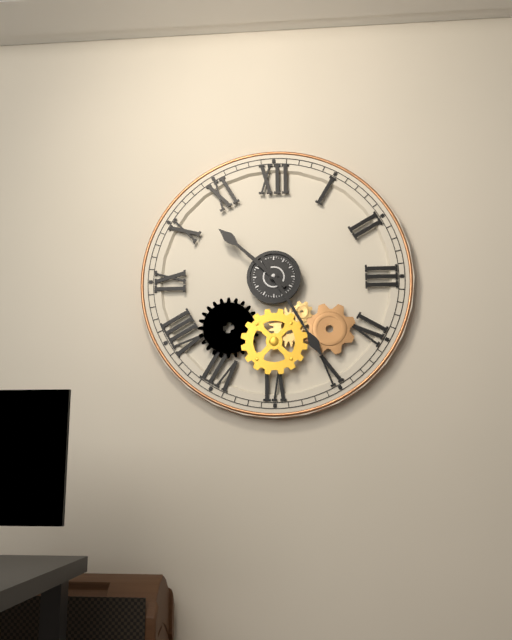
10:25
